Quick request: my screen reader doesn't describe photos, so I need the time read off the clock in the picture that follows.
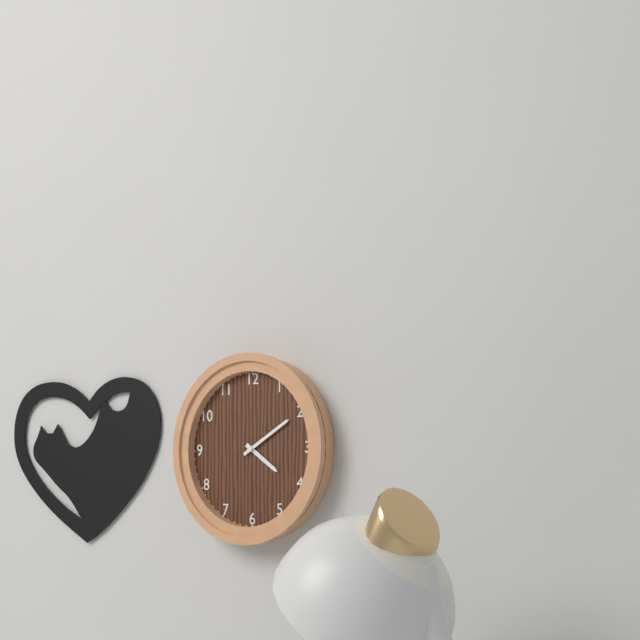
4:10
